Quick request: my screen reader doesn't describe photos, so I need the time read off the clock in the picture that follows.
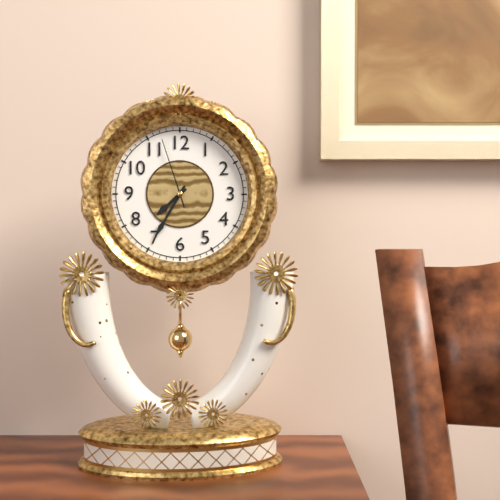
7:35:57
